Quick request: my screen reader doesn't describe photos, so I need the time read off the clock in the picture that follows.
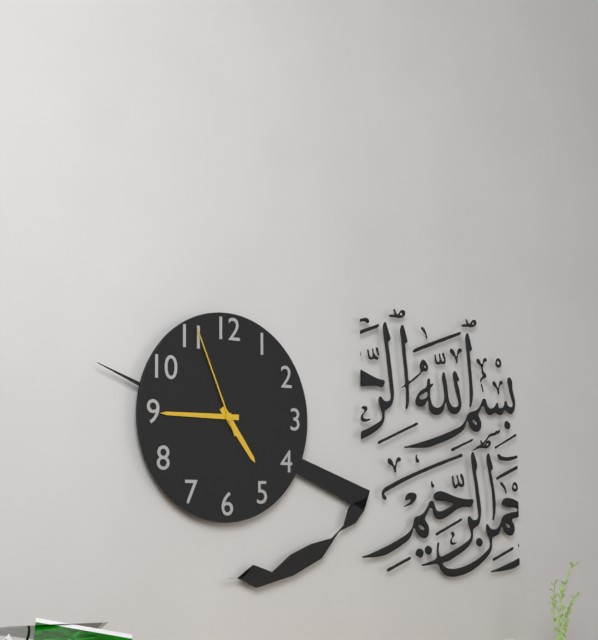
4:45:56
